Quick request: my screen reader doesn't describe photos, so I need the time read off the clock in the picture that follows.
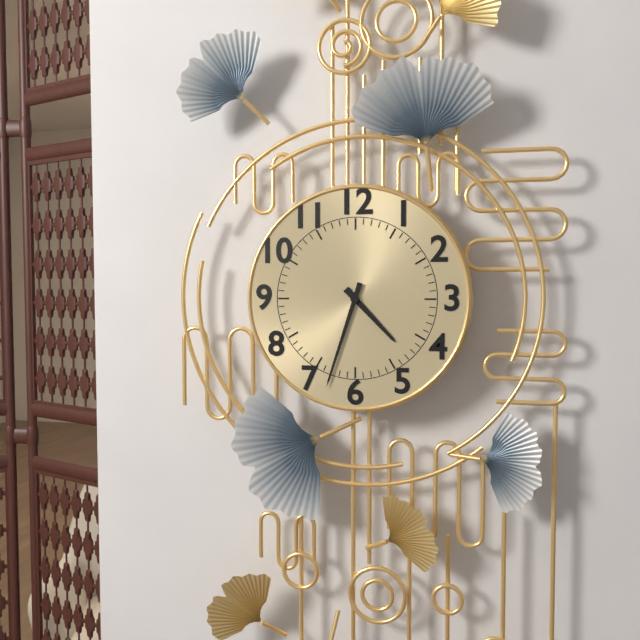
4:33
